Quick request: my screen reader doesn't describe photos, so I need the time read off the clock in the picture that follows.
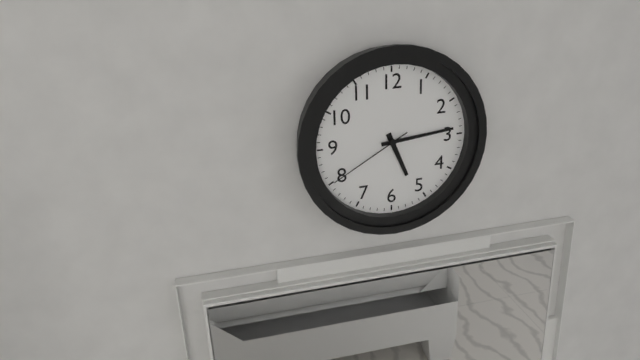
5:14:40
